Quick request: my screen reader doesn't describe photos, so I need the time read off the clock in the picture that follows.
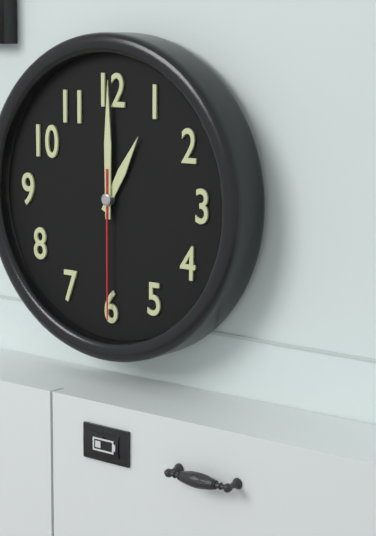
1:00:30
